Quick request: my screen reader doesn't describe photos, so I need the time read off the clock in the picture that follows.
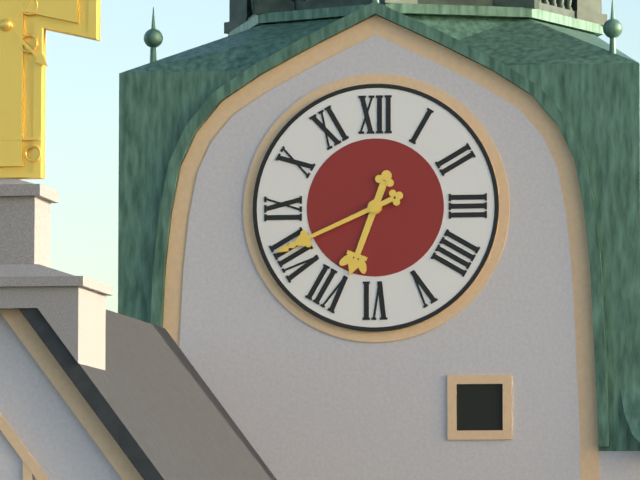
6:41
